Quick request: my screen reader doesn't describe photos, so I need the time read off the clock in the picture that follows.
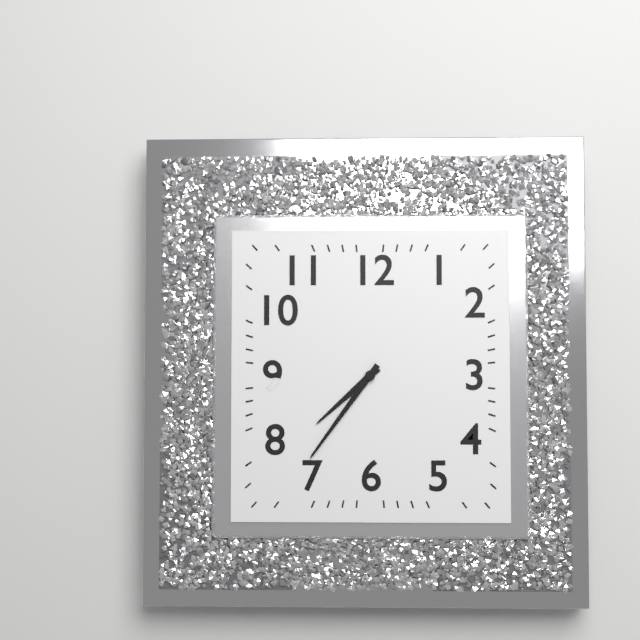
7:36
